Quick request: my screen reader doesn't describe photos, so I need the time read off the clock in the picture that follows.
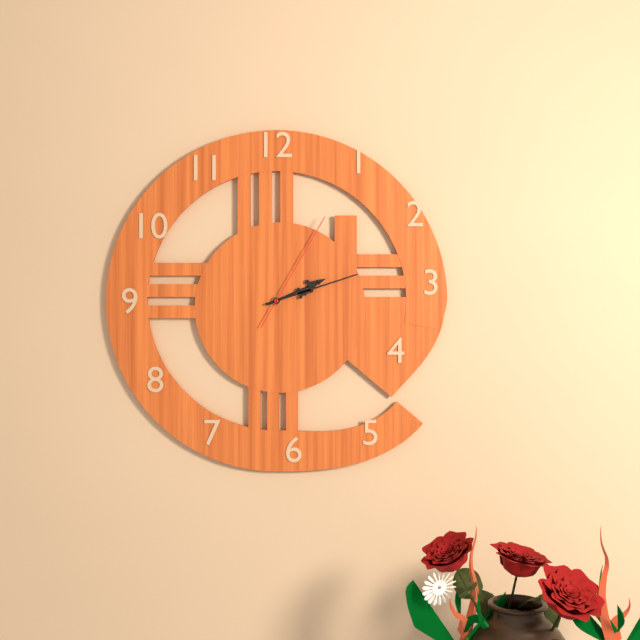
2:12:05
